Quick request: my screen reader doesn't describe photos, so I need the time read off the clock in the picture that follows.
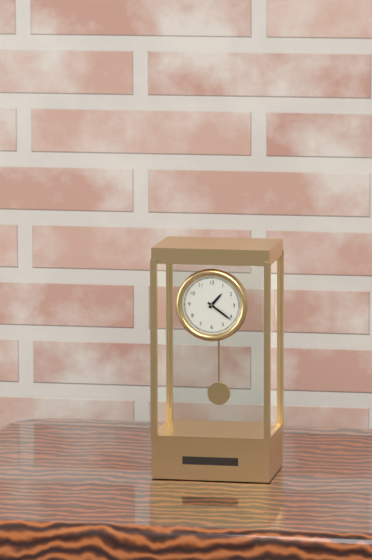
1:21
